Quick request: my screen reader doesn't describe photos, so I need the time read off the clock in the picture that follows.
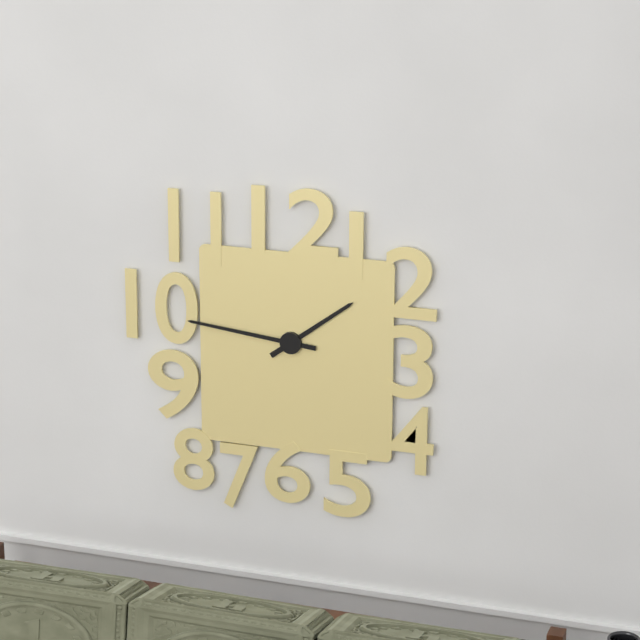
1:46
